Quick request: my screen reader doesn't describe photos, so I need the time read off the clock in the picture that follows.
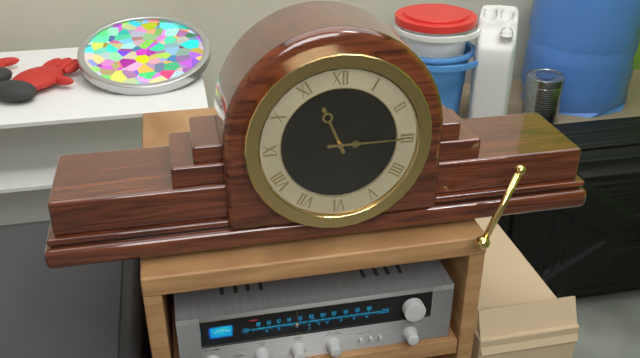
11:15
